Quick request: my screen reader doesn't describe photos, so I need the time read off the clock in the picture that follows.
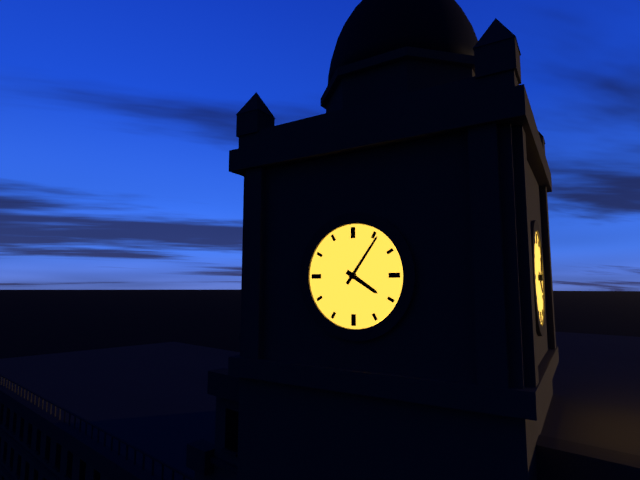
4:06
